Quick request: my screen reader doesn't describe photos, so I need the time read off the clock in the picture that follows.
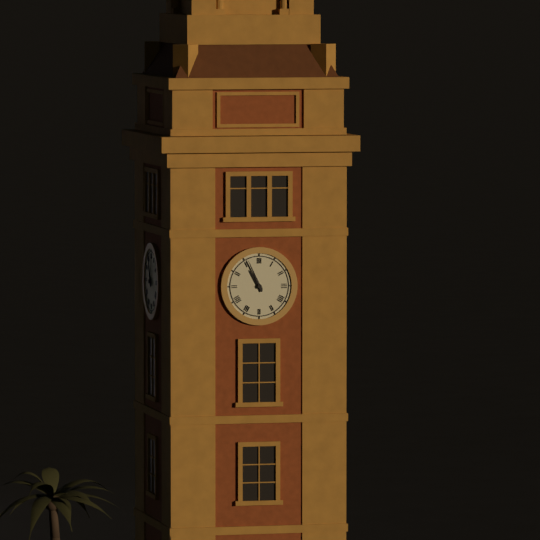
10:56
